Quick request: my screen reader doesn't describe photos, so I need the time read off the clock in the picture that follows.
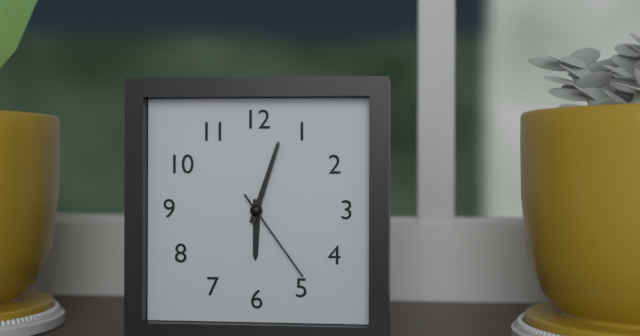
6:03:24
